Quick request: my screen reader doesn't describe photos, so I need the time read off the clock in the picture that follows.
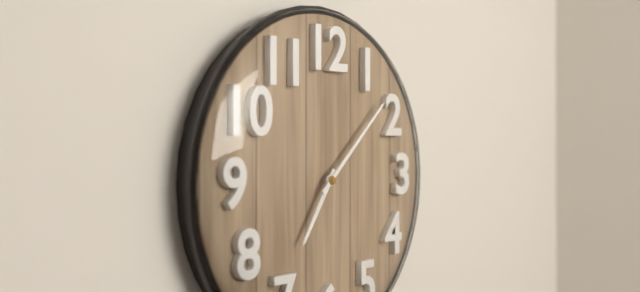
7:08
